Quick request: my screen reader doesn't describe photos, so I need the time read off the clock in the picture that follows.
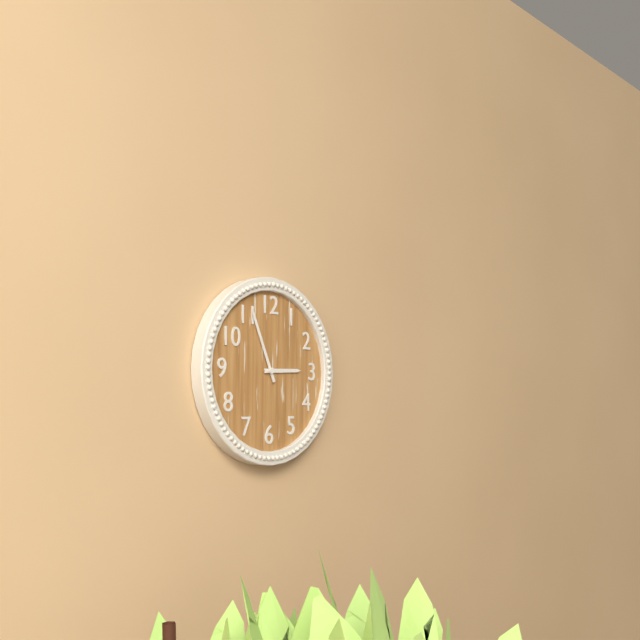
2:56
